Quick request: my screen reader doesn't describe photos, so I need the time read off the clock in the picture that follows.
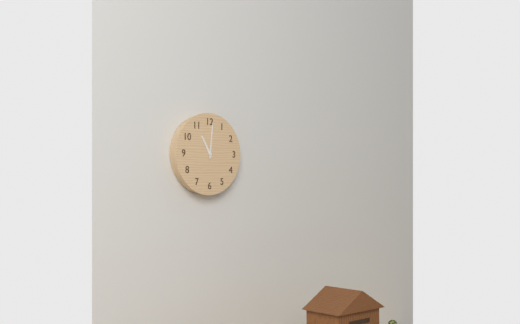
11:01
